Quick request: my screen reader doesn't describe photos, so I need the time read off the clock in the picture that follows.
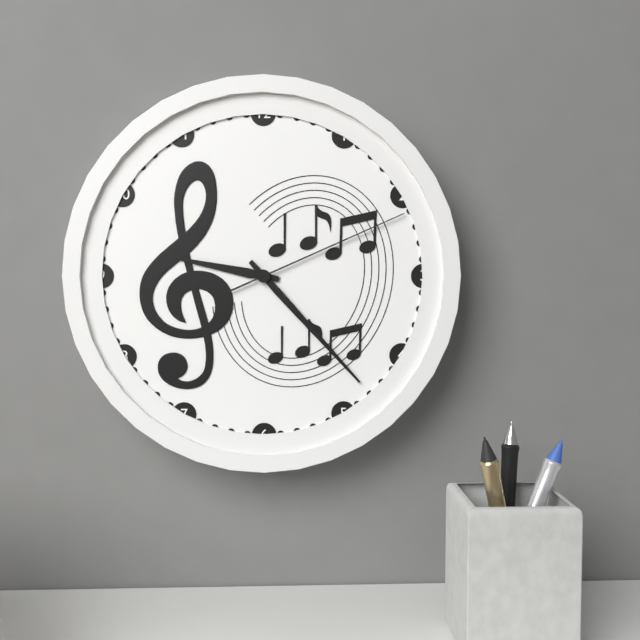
9:23:11
